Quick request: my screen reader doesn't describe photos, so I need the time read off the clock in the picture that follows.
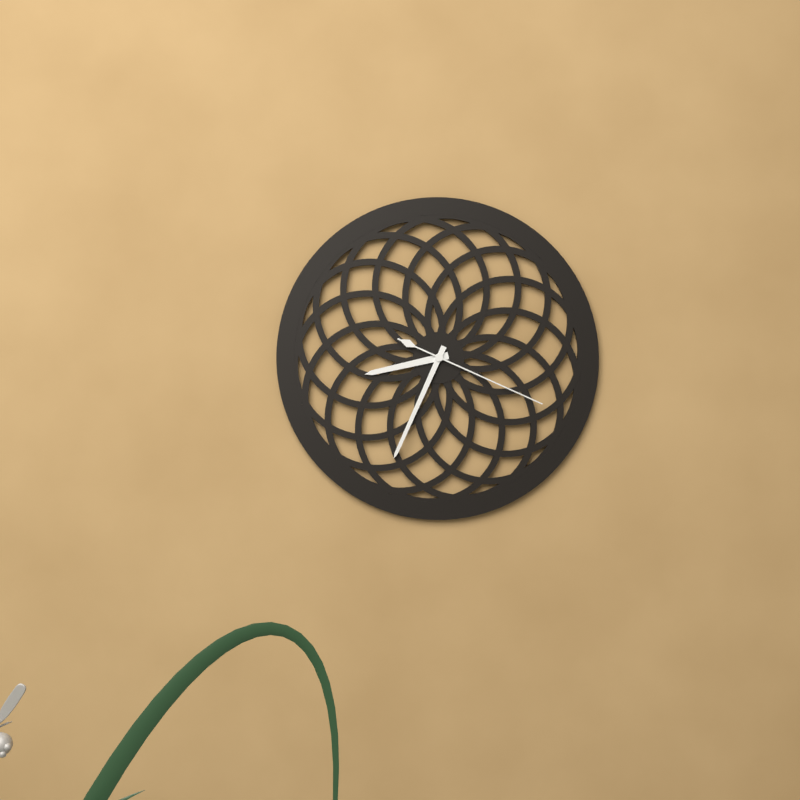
8:34:19
